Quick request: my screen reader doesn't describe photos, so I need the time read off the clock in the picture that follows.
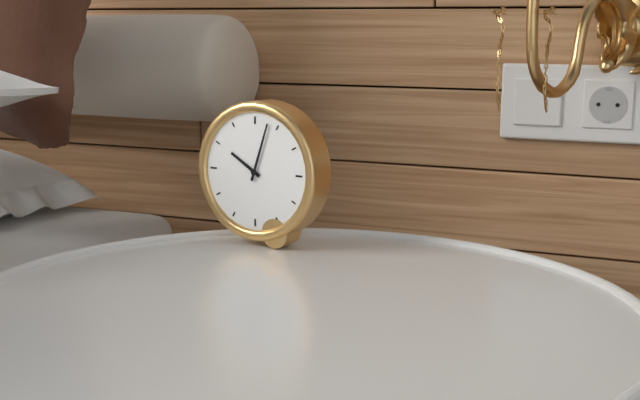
10:03
